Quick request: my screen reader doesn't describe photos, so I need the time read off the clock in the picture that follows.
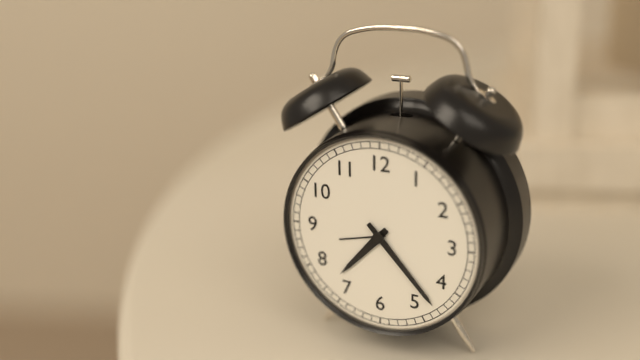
7:23
